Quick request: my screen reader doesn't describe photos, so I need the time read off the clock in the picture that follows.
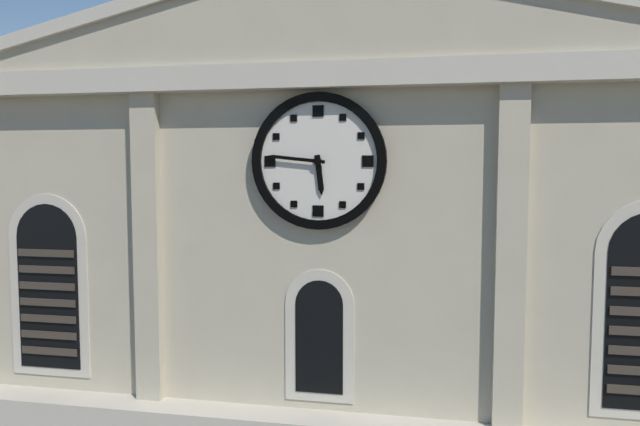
5:46
